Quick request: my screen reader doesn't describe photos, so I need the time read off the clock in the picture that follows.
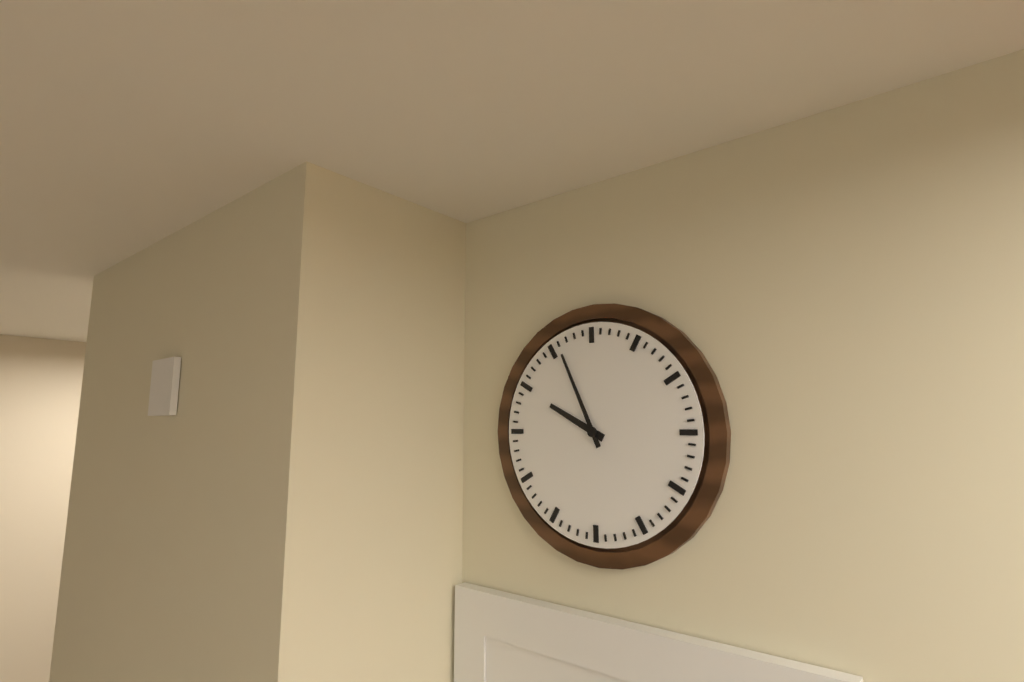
9:56
